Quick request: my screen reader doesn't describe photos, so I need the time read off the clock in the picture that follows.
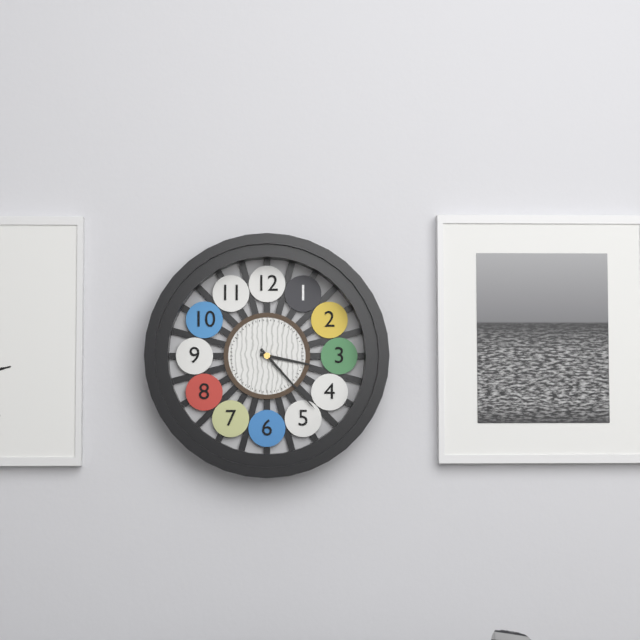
3:23
